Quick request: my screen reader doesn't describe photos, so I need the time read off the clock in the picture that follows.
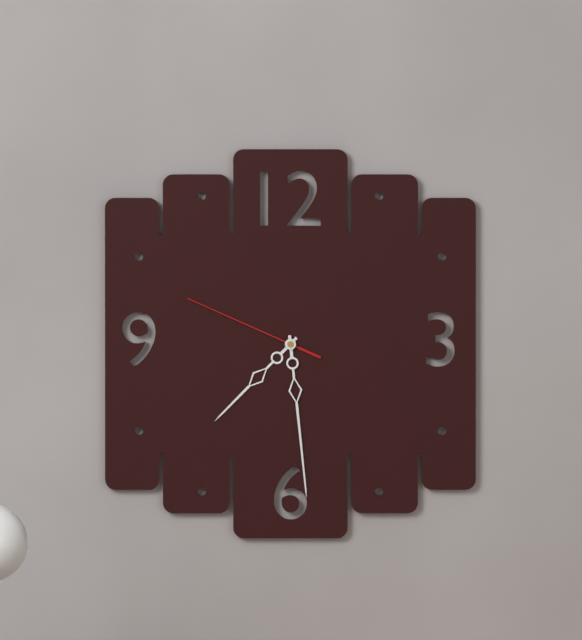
7:29:49
